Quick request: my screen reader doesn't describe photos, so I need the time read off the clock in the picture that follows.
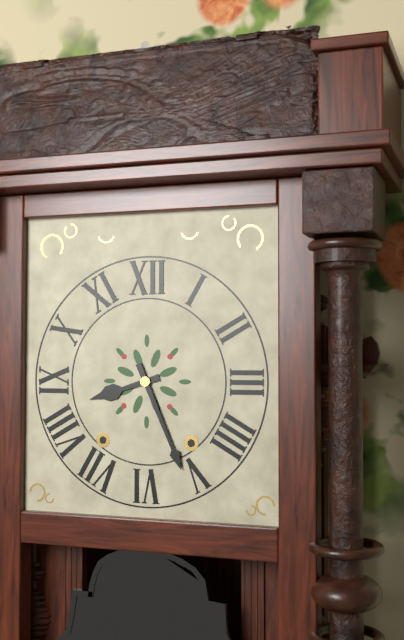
8:26
